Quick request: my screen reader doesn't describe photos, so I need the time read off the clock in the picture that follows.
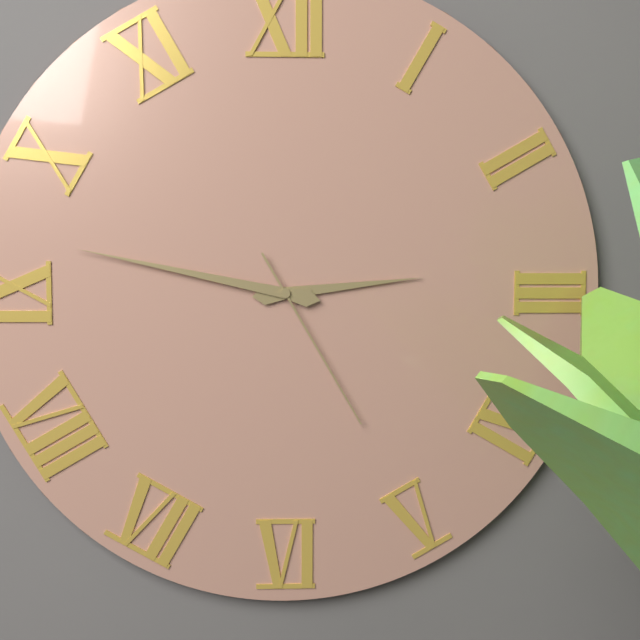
2:47:25
